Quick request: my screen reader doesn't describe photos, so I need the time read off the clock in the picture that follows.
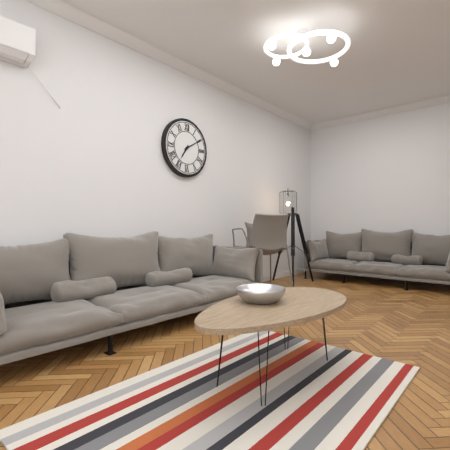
7:10
